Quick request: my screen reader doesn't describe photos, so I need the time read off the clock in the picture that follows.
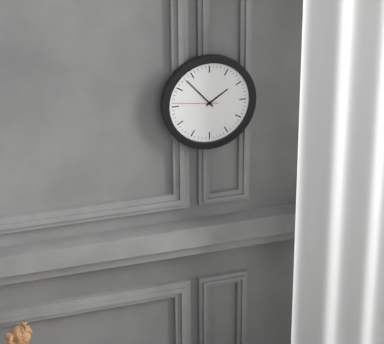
1:53
